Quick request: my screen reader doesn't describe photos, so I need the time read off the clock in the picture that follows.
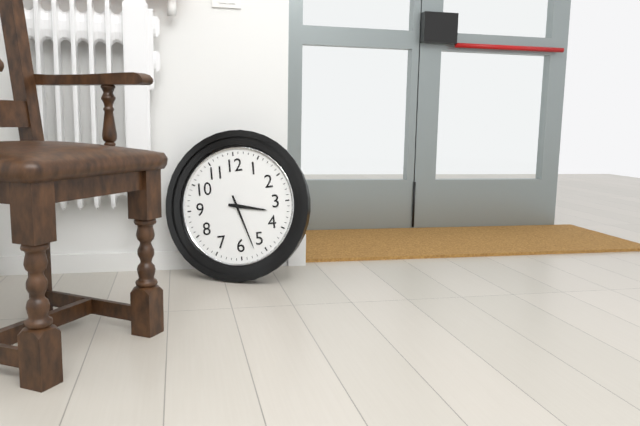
3:27
